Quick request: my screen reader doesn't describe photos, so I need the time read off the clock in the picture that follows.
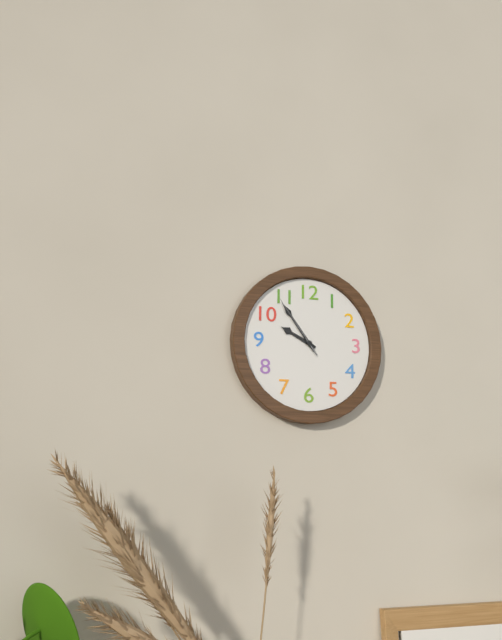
9:54:54
